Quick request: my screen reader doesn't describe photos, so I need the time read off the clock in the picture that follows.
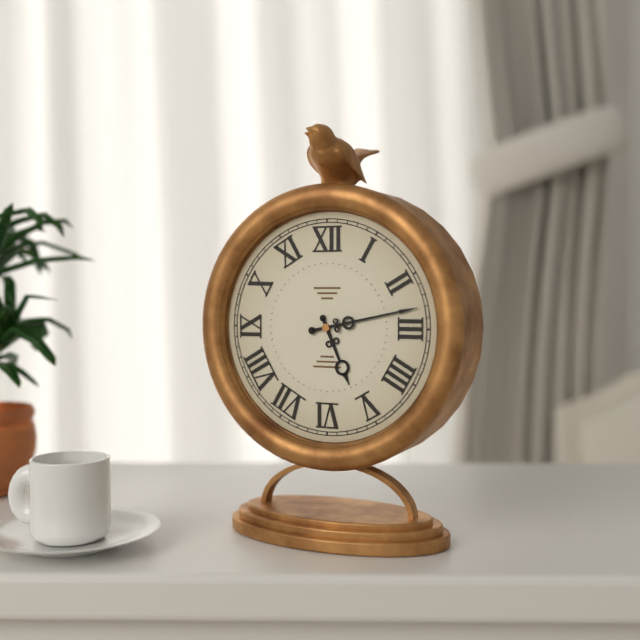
5:13
